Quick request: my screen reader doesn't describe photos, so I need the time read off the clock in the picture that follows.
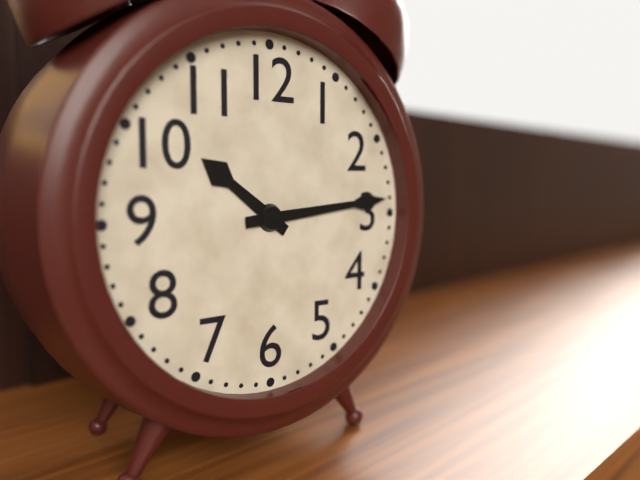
10:14
